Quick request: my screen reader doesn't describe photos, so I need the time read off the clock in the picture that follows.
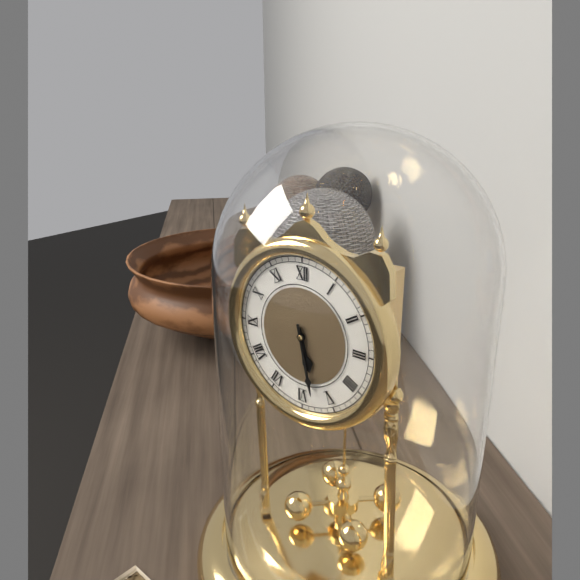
5:28
